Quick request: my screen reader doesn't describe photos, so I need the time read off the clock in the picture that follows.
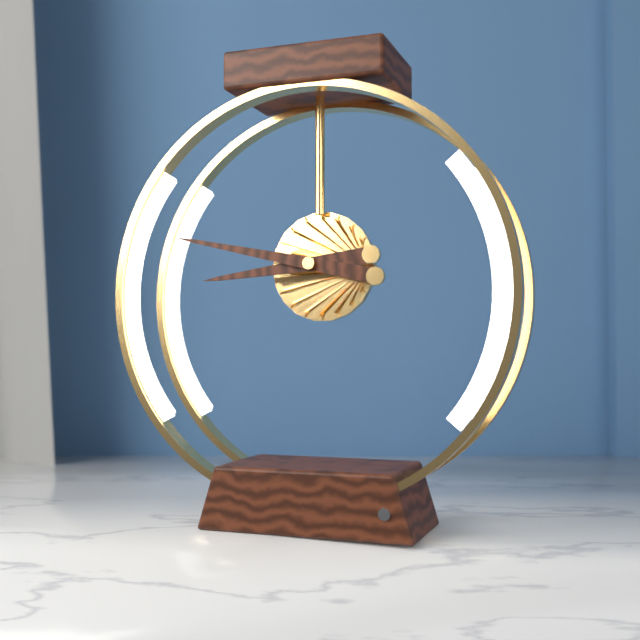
8:47
